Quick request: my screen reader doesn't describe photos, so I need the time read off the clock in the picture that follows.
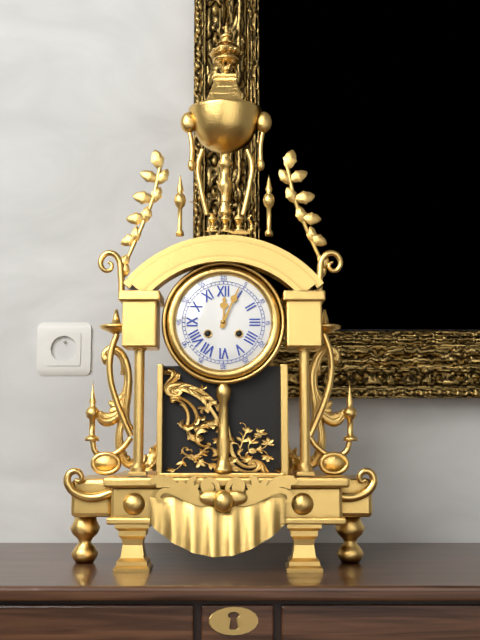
12:04
